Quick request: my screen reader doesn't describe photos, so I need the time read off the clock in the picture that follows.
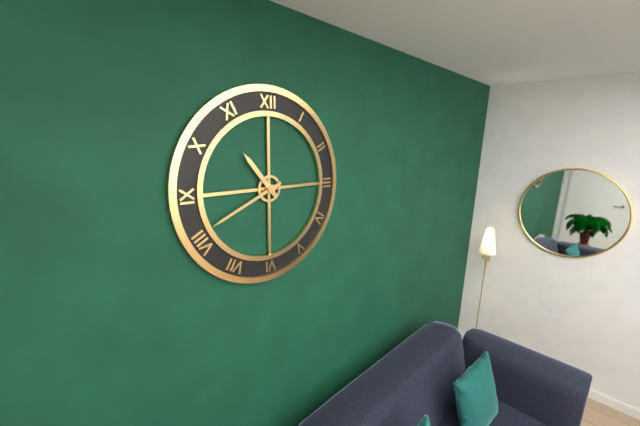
10:41
